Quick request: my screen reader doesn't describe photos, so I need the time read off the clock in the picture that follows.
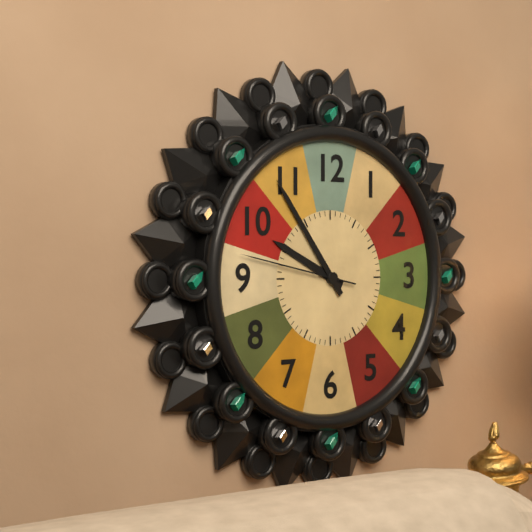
9:54:47
